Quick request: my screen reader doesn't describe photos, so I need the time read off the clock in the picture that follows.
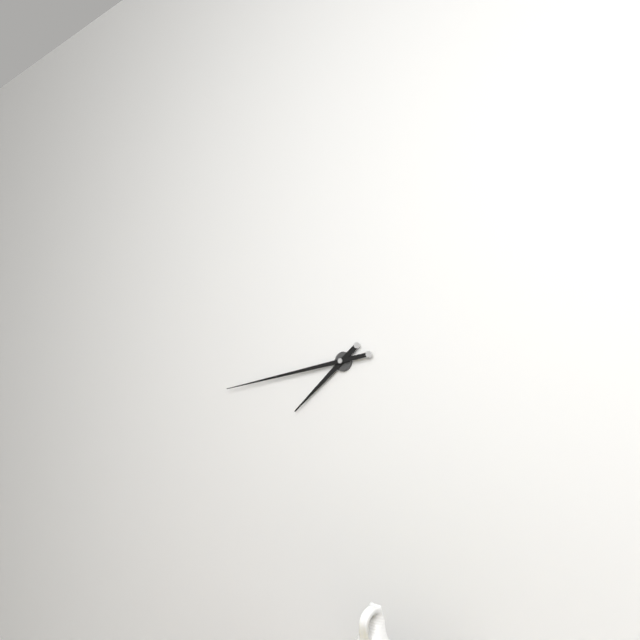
7:44
